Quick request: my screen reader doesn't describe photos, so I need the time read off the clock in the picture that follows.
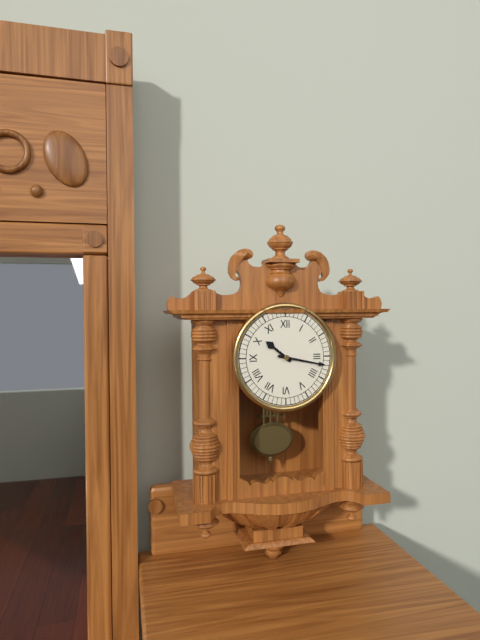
10:17
